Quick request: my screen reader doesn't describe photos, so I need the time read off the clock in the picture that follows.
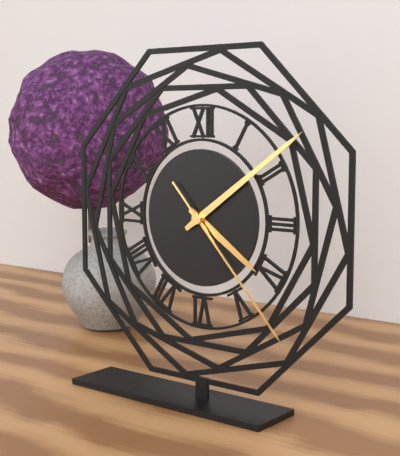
4:09:23
